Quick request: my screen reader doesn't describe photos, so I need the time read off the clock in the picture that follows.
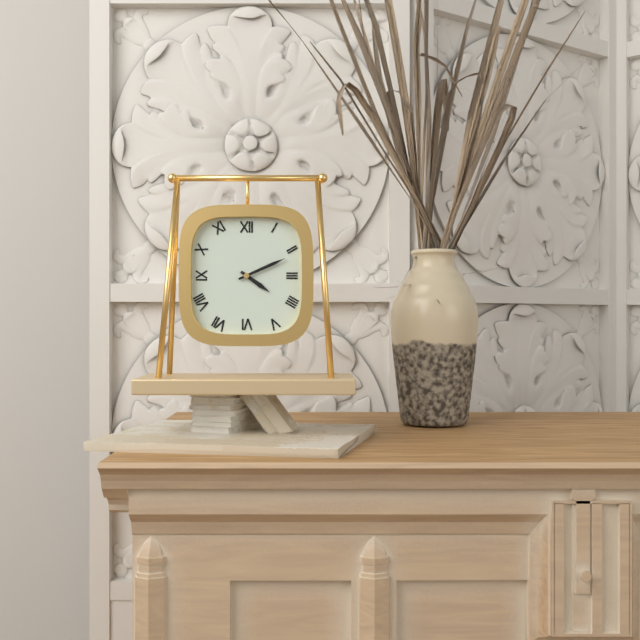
4:11
